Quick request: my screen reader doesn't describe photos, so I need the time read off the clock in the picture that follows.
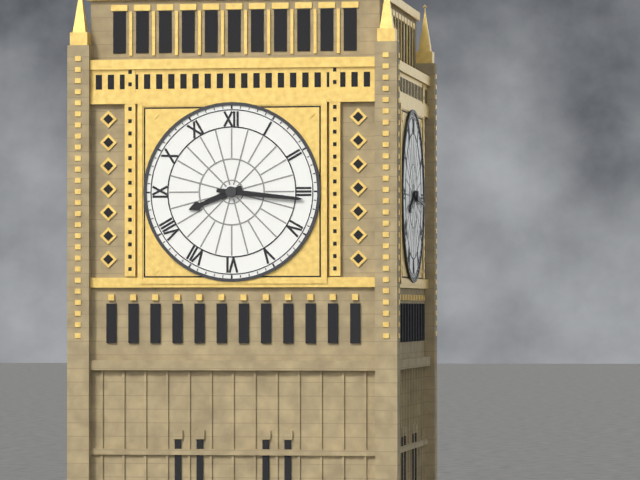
8:16
